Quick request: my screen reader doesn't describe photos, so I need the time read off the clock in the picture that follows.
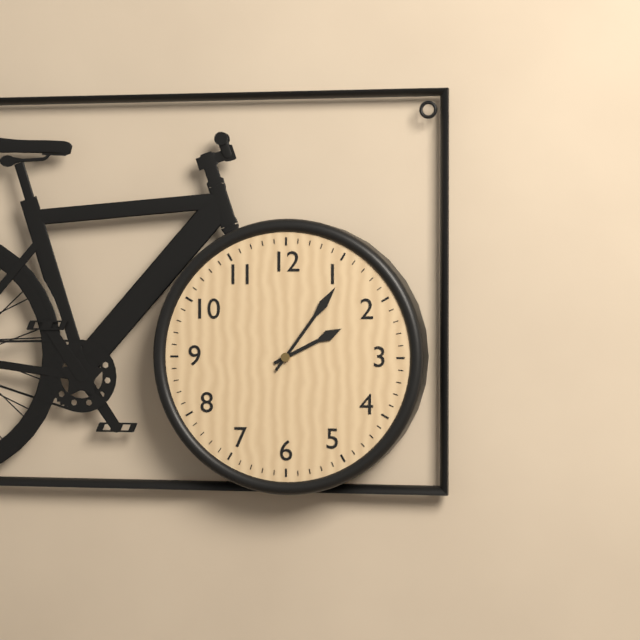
2:06
